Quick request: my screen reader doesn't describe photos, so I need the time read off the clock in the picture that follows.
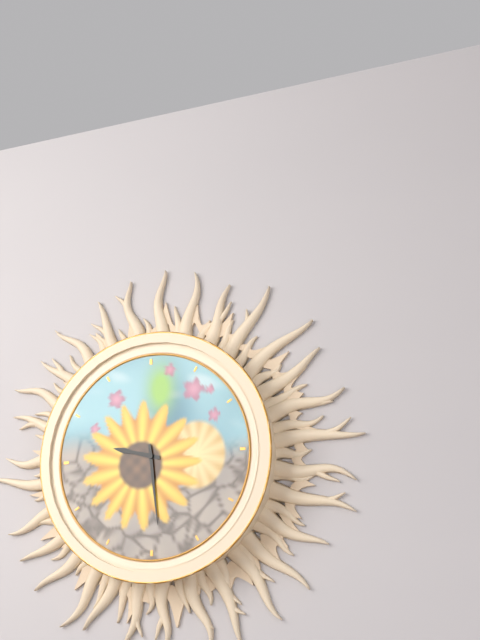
9:29
